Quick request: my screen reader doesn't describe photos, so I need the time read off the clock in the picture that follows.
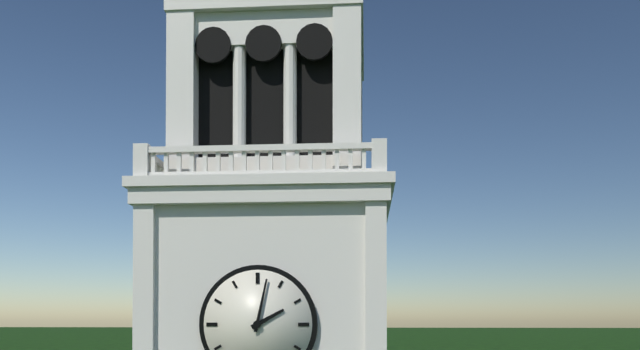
2:02
